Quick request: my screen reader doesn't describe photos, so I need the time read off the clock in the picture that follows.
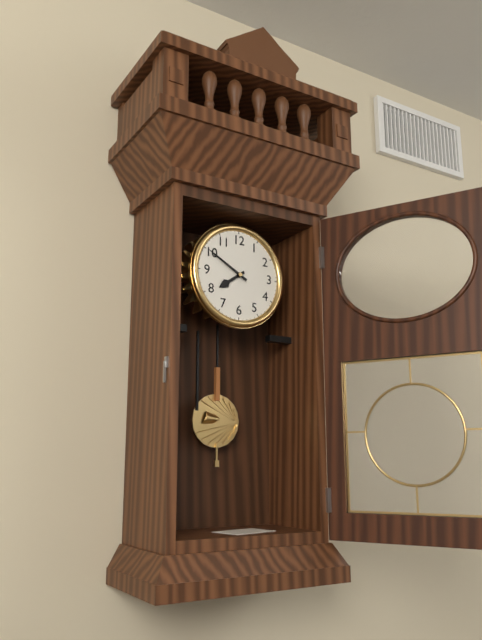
7:50
